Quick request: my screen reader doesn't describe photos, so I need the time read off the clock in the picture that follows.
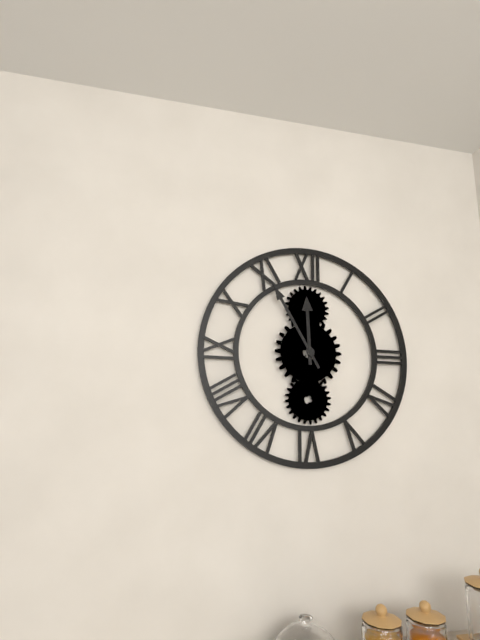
11:55
